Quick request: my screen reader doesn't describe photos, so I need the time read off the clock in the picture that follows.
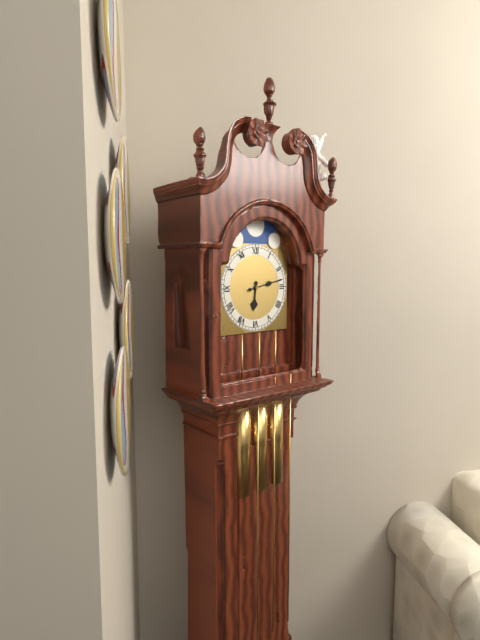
6:13
